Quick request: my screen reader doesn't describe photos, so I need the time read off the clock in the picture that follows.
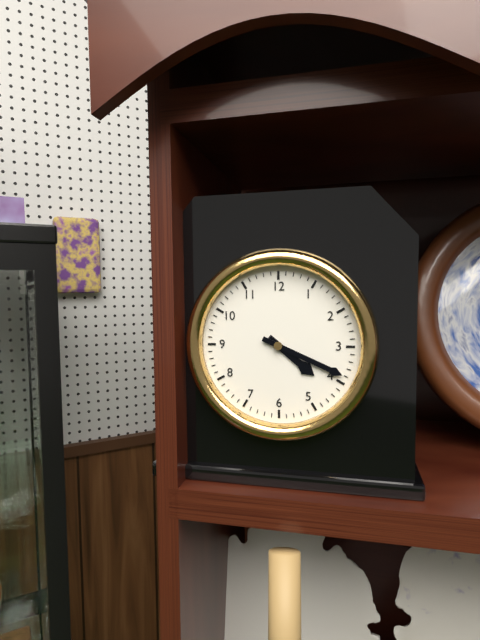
4:19
